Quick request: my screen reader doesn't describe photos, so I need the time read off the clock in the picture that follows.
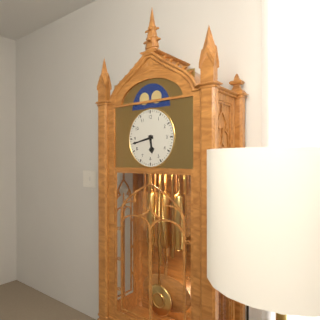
5:43
